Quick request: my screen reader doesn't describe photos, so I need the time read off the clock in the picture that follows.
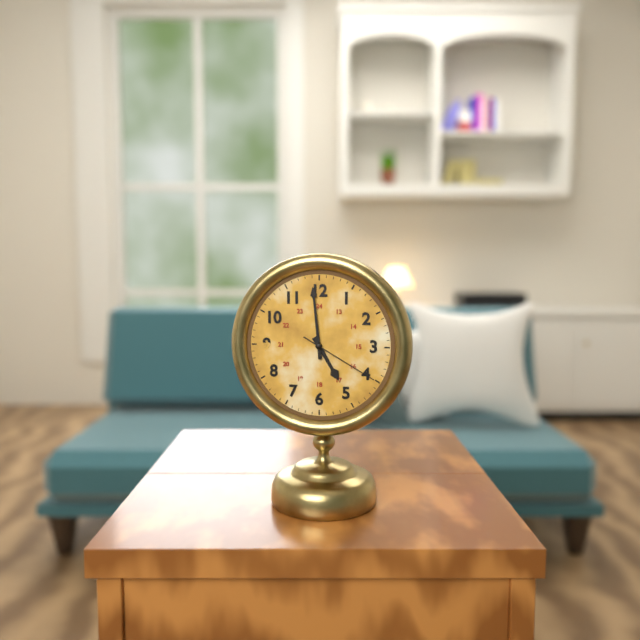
4:59:20
